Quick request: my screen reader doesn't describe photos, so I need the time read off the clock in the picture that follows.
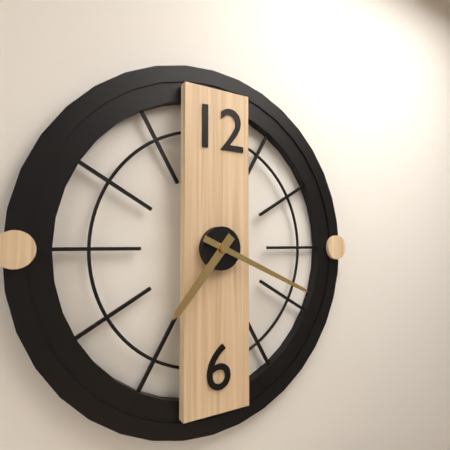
7:19
